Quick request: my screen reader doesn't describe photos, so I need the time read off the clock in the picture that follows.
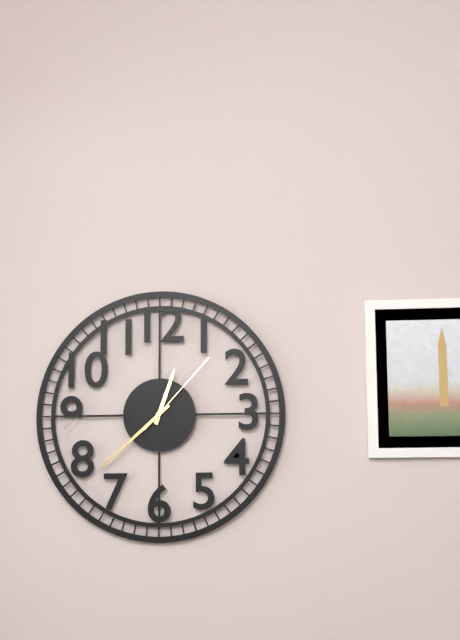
12:38:07
